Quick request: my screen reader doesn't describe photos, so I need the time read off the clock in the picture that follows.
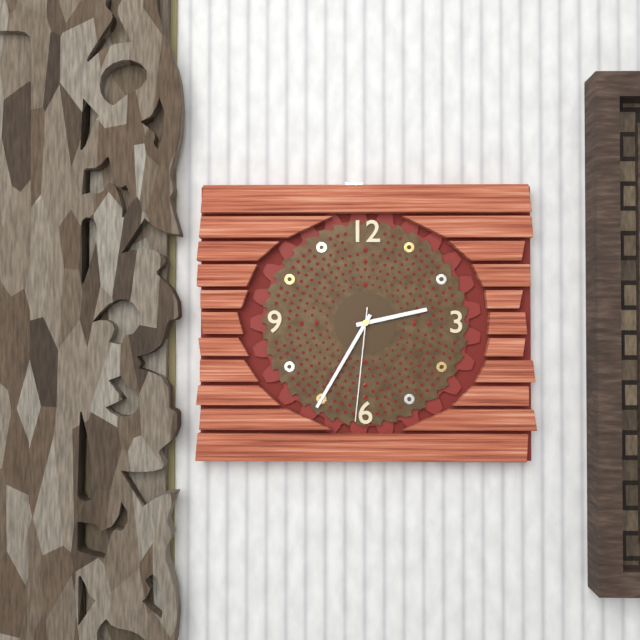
2:35:31
